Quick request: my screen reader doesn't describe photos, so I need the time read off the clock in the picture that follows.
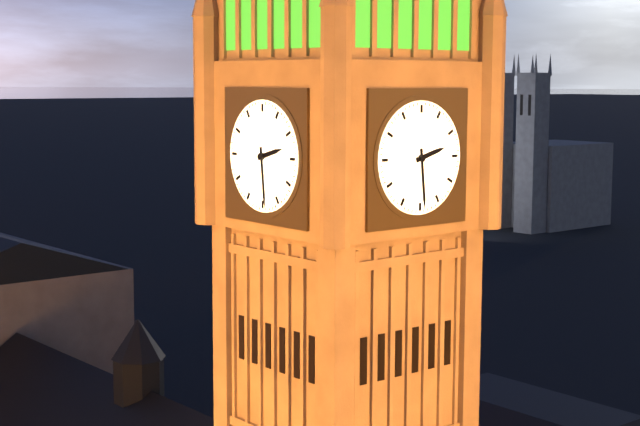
2:29
